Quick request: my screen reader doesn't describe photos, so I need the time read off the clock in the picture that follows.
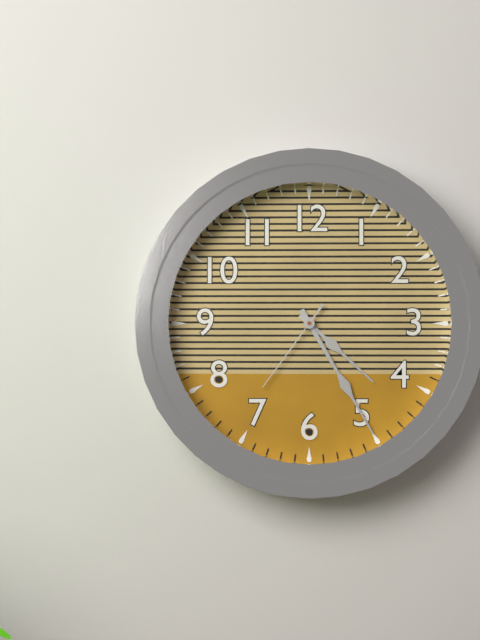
4:25:36
